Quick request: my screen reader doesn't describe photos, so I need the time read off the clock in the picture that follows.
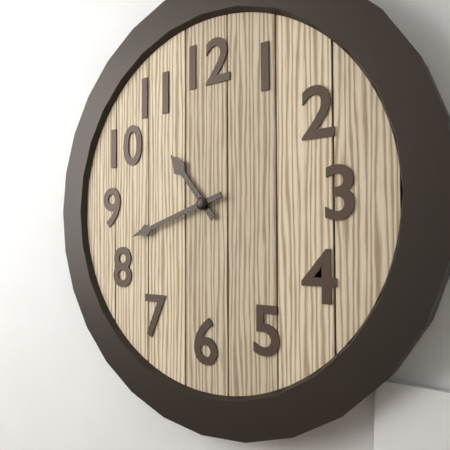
10:42
